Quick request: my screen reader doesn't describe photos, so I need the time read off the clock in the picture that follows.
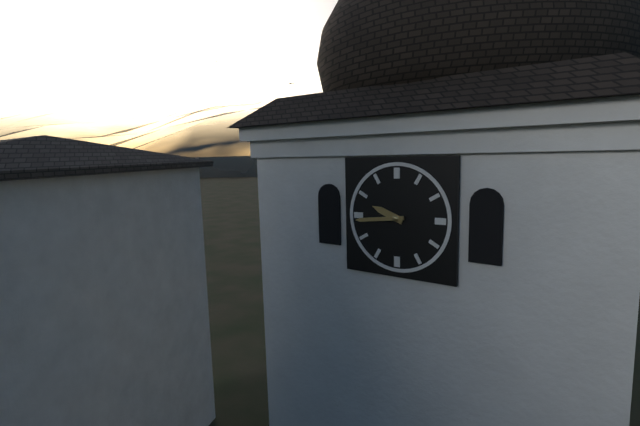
9:44
